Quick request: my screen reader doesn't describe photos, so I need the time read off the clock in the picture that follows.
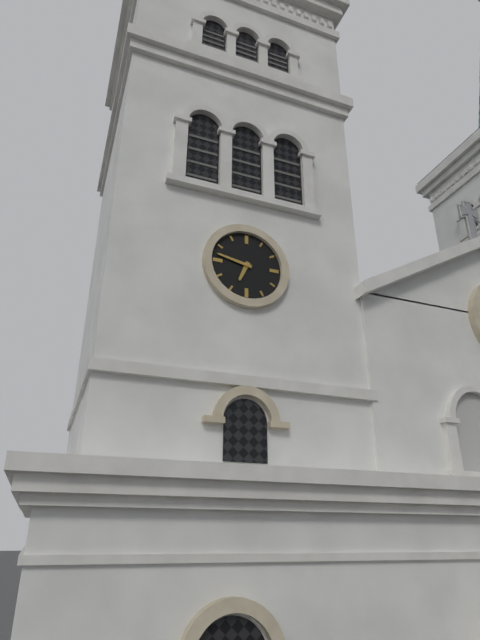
6:47
